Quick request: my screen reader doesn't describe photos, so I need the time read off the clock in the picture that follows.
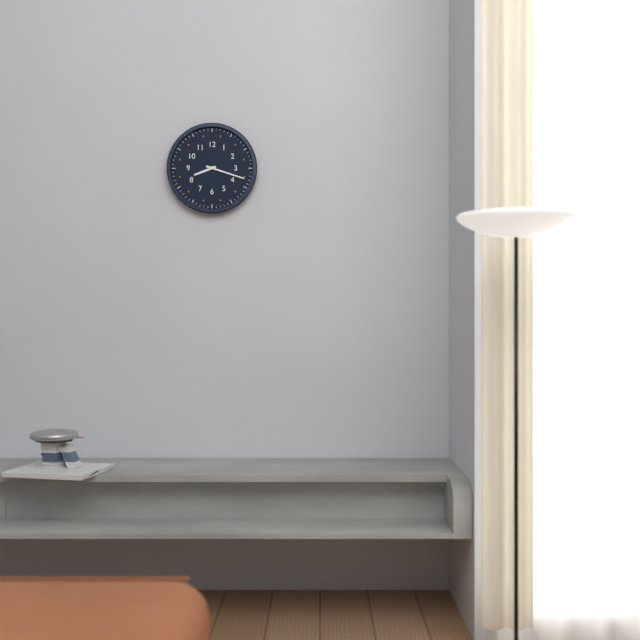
8:18
